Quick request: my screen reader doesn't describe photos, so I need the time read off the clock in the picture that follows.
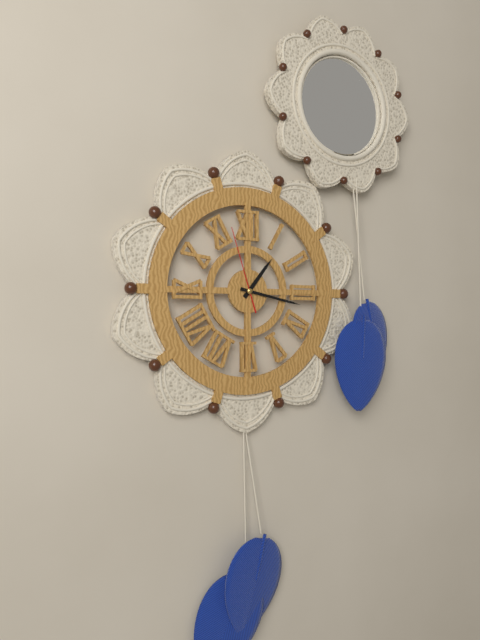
1:17:57
